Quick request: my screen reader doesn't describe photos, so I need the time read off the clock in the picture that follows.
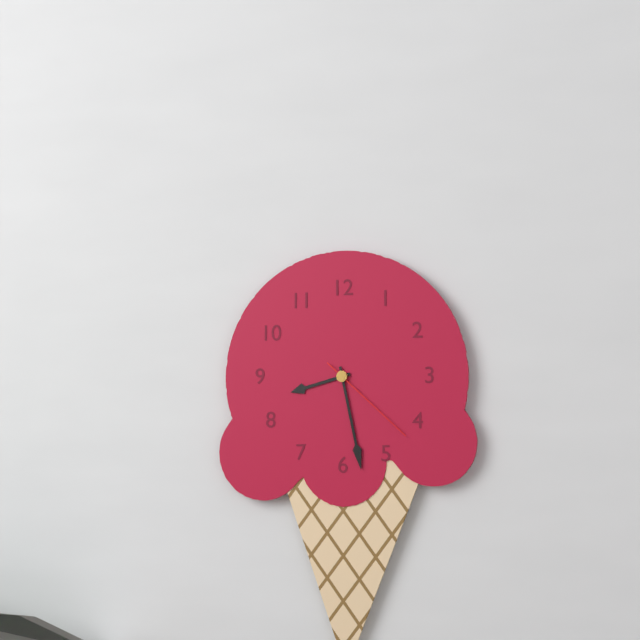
8:28:22
